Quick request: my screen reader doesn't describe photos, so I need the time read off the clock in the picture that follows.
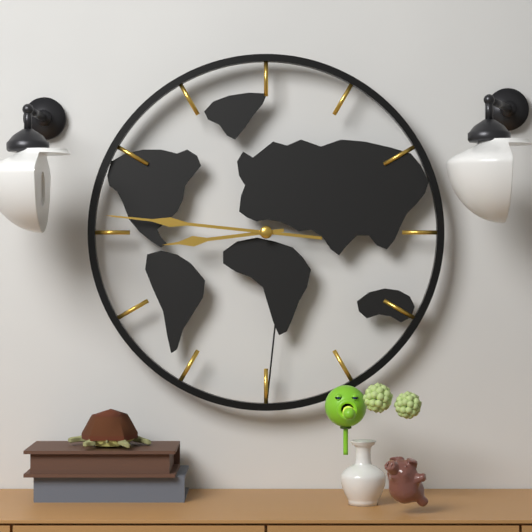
8:46
